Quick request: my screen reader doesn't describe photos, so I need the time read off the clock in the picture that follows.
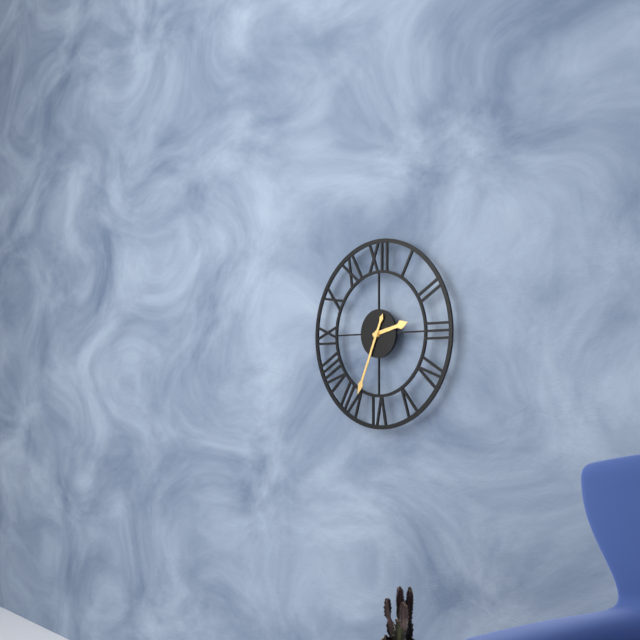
2:34
